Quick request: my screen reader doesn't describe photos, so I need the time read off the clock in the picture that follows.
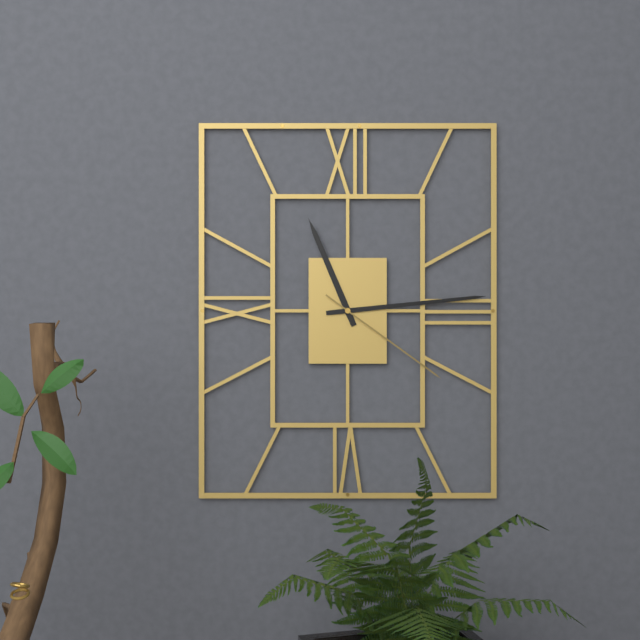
11:14:21
